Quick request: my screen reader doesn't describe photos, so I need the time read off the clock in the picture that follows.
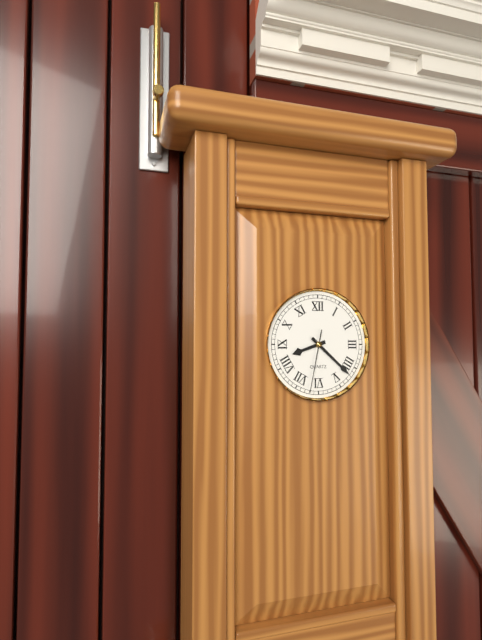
8:22:32
